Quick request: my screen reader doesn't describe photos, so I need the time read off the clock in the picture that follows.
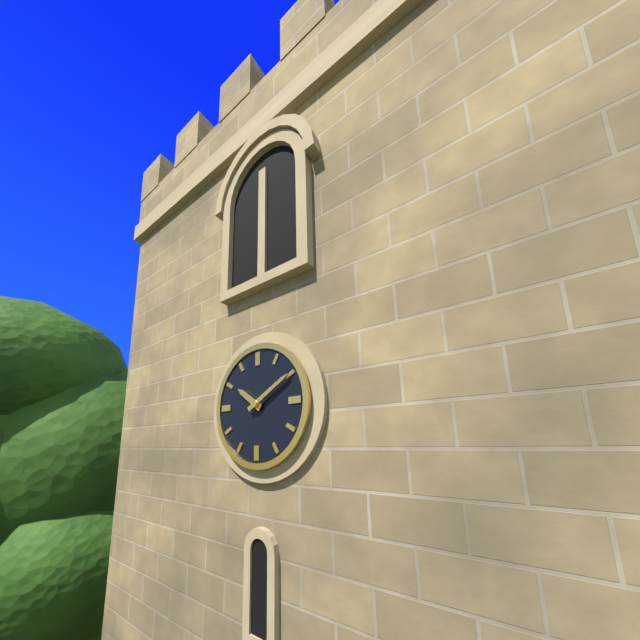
10:10
